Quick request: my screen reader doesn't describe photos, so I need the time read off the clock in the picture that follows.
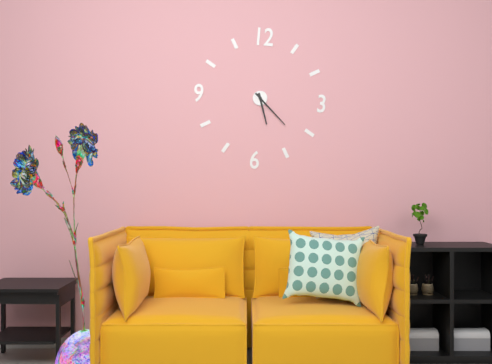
5:22
